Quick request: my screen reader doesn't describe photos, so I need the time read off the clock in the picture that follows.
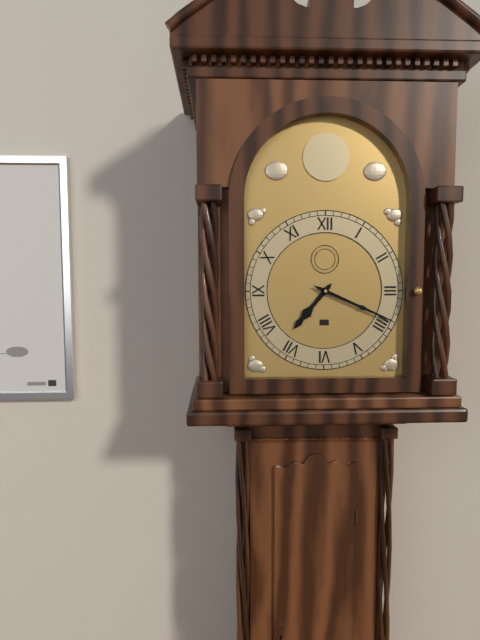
7:19
